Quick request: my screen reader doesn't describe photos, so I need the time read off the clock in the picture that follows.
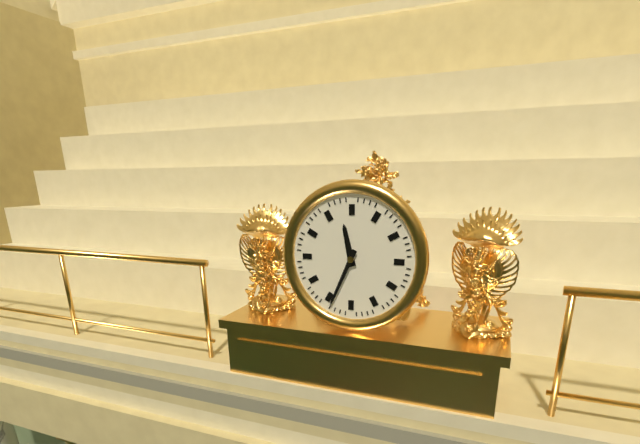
11:34
